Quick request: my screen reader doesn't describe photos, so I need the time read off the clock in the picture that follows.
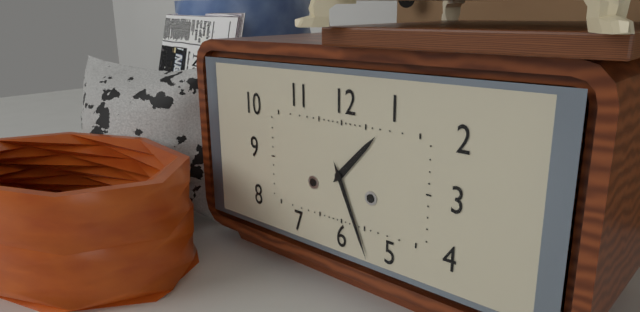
1:26
